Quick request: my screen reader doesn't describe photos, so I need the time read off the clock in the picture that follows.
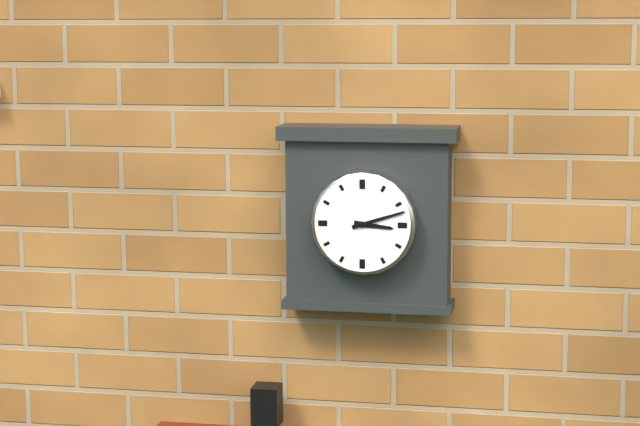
3:12
